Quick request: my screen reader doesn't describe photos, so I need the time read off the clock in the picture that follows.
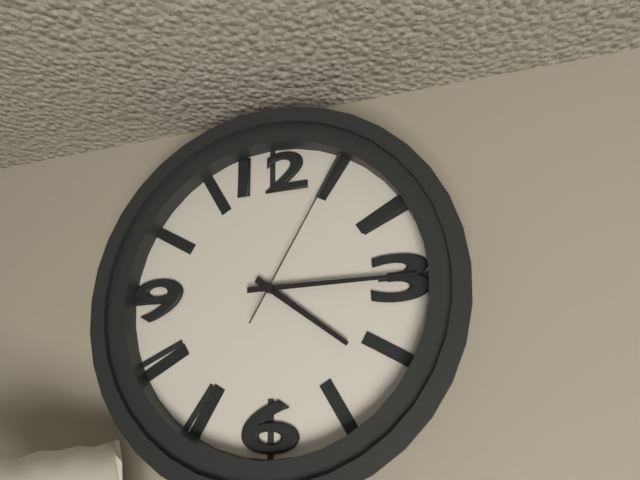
4:15:05
